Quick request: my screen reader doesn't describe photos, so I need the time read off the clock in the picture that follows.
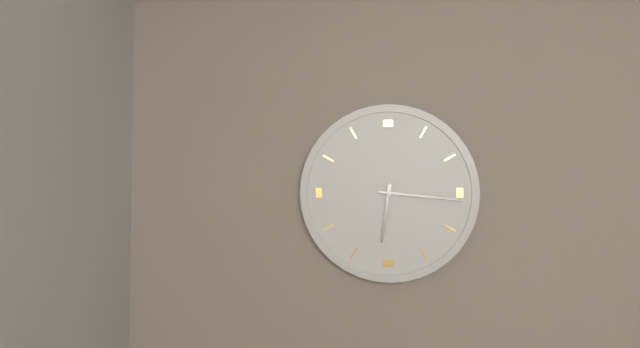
6:16
